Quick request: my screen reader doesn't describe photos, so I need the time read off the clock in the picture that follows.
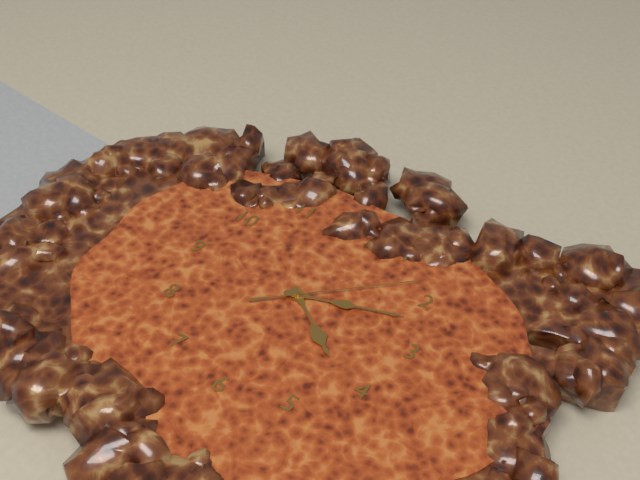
4:12:08
